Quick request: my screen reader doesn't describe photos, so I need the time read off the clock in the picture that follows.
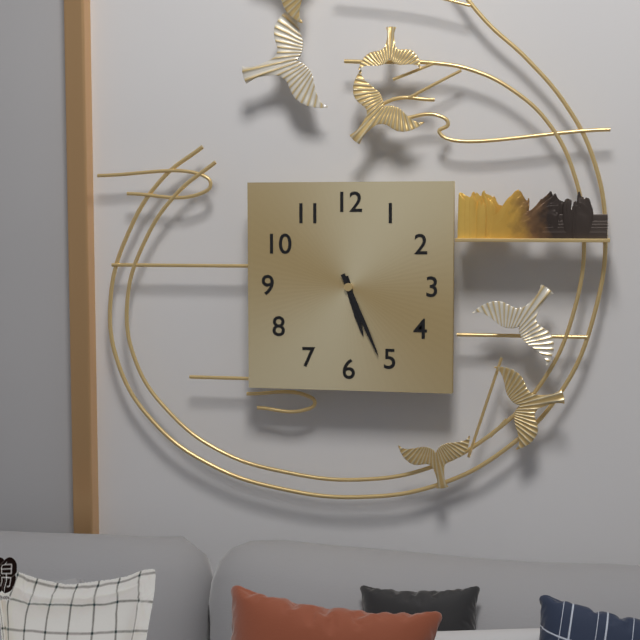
5:26
